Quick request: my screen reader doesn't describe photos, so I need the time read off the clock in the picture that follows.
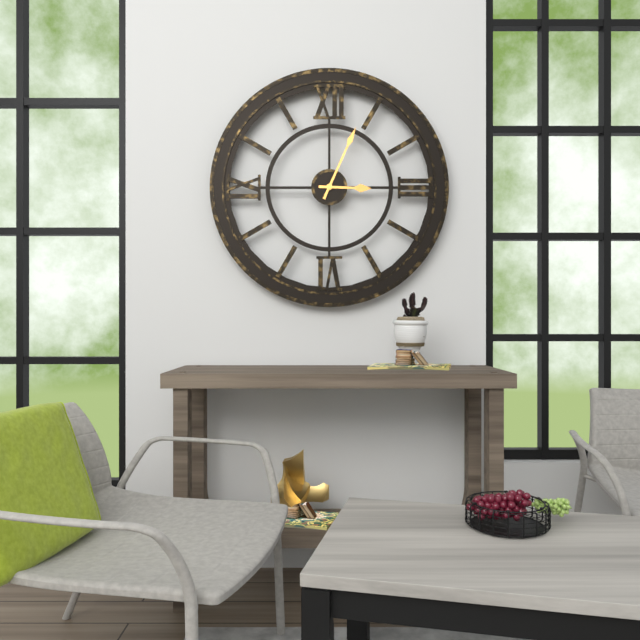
3:04
